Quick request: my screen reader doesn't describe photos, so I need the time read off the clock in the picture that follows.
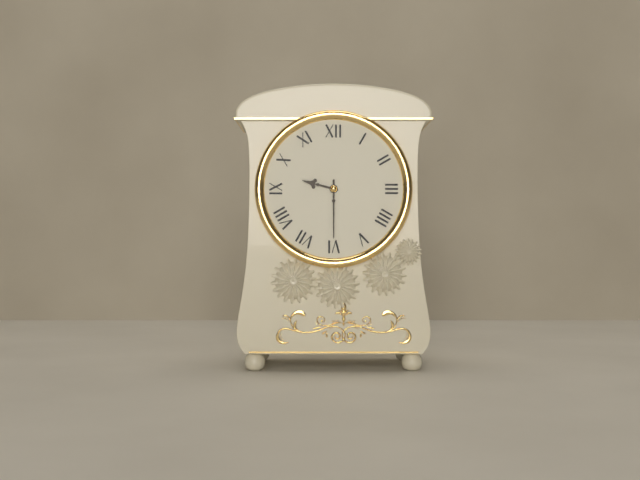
9:30
